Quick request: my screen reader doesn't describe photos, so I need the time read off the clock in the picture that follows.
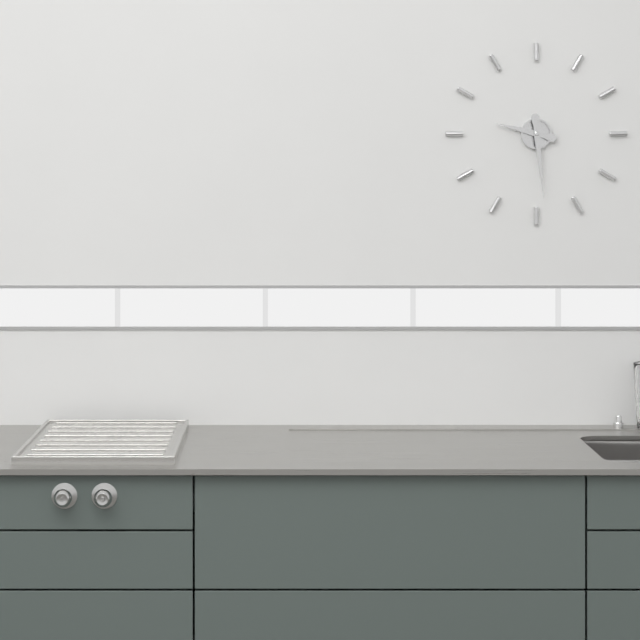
9:29
